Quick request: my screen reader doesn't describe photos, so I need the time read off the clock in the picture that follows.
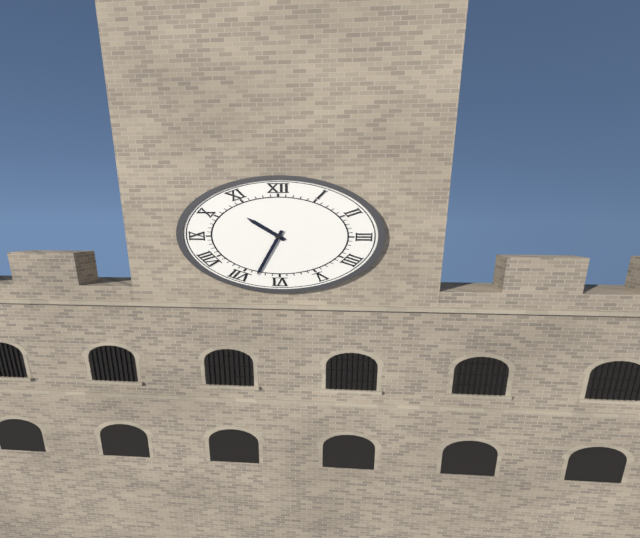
10:33
